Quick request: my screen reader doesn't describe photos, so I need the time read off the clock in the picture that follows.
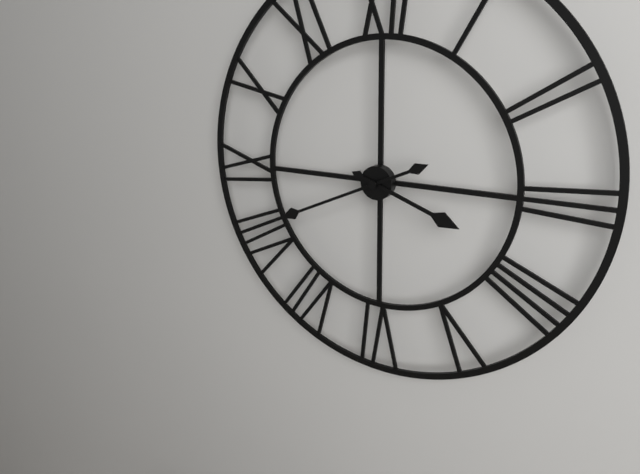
3:41
